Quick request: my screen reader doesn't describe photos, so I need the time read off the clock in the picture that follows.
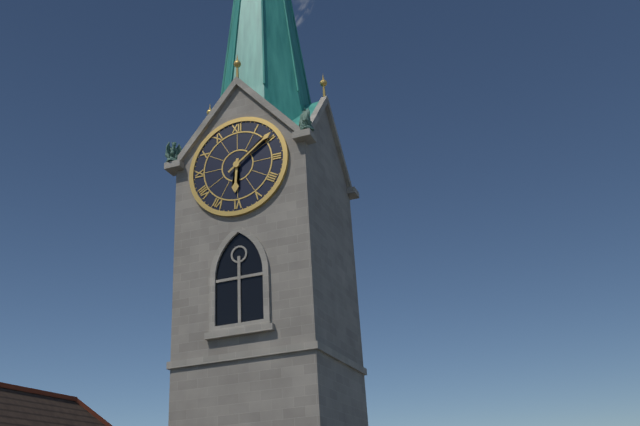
6:09
